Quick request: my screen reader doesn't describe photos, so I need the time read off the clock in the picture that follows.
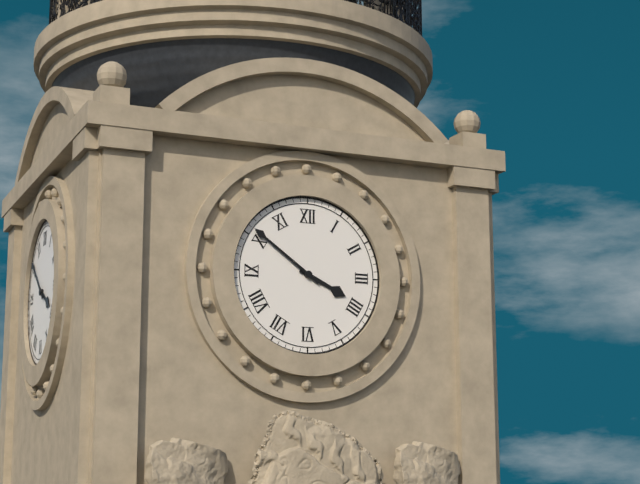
3:51
